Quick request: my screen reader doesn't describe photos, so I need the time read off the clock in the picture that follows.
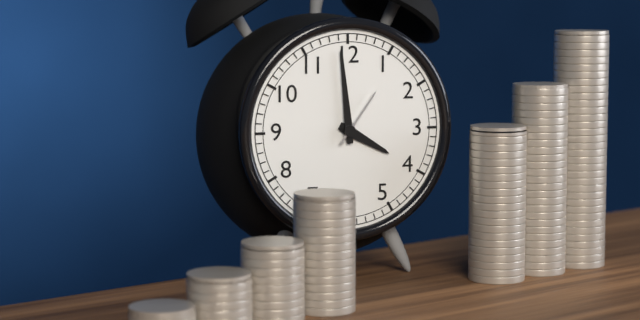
3:59:06
